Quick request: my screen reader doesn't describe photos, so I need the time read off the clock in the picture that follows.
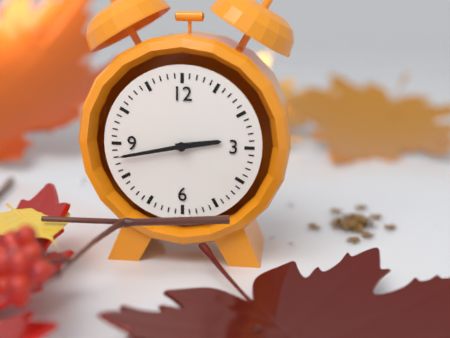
2:43
